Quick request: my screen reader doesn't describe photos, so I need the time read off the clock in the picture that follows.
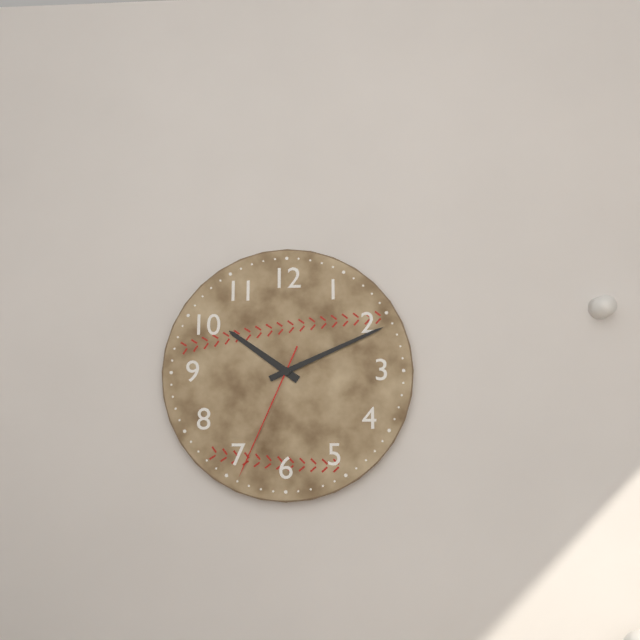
10:11:34
